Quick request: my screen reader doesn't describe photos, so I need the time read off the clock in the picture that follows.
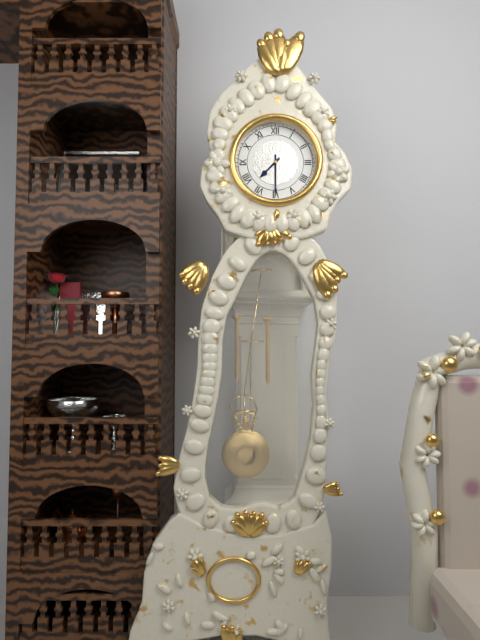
7:30
